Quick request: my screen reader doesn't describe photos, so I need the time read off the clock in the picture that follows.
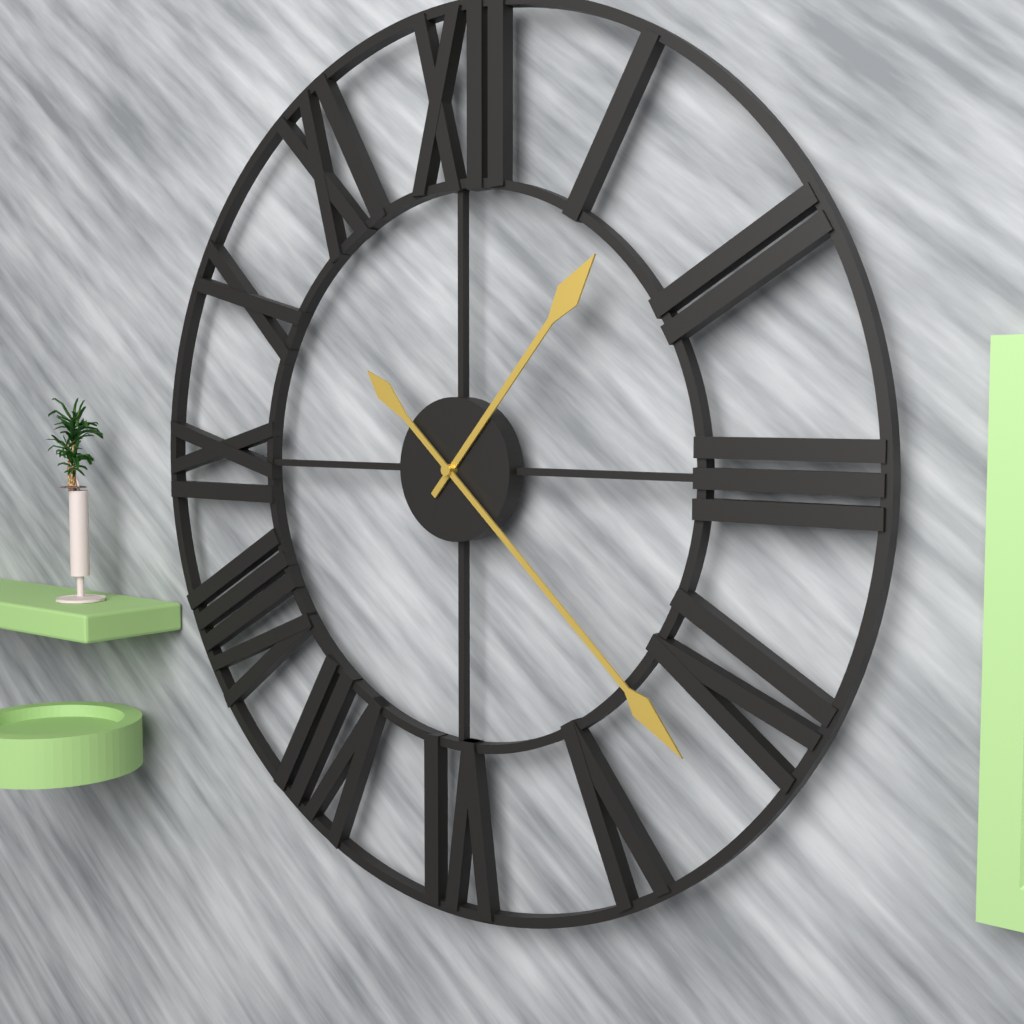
1:22
